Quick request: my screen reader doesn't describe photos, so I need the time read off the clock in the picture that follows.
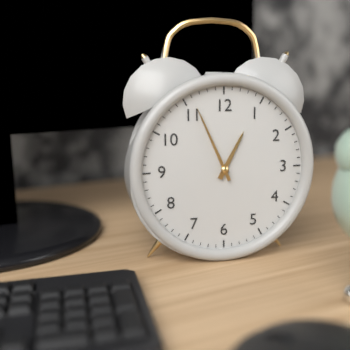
12:56
